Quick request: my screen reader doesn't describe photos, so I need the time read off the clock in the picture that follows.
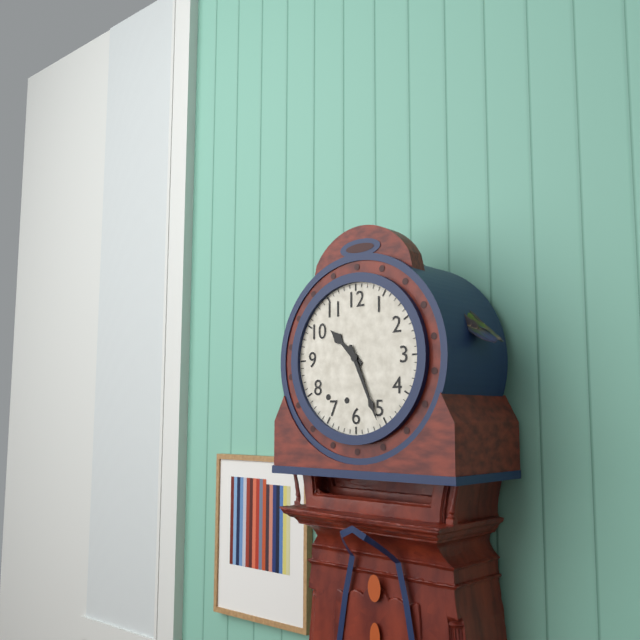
10:26
